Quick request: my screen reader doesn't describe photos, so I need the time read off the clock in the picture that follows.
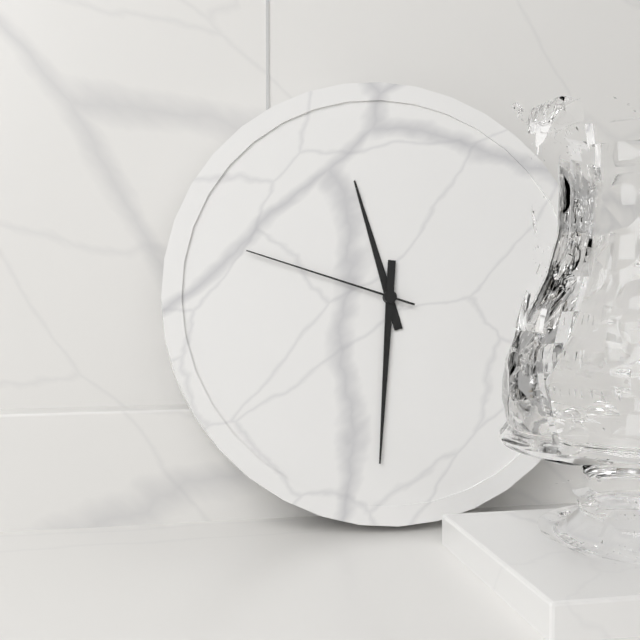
11:31:48
